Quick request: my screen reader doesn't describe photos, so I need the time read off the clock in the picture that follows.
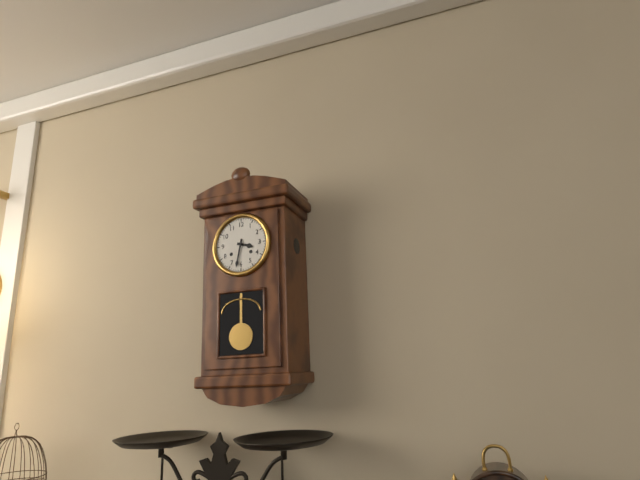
3:32
